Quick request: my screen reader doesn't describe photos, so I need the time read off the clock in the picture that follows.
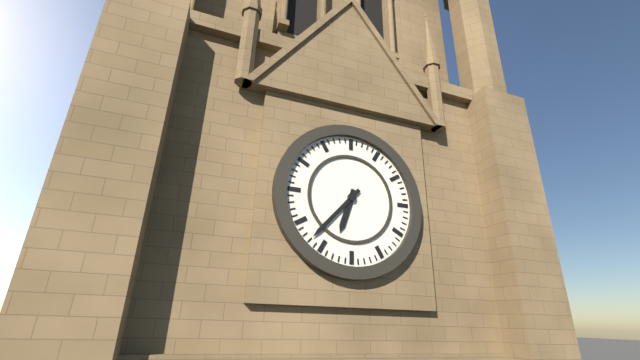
6:37
